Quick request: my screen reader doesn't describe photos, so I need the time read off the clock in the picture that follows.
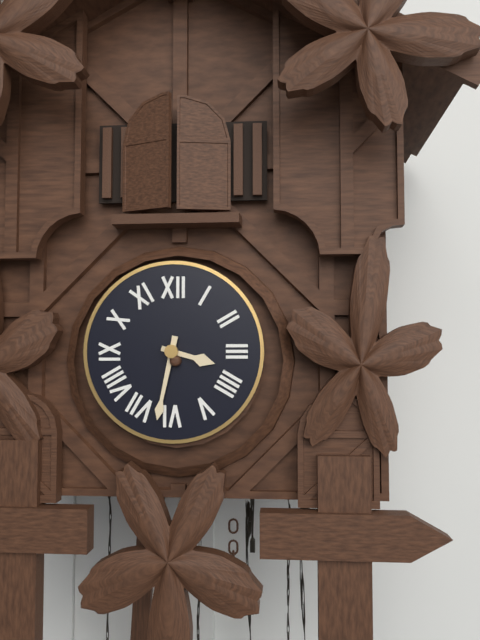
3:32
